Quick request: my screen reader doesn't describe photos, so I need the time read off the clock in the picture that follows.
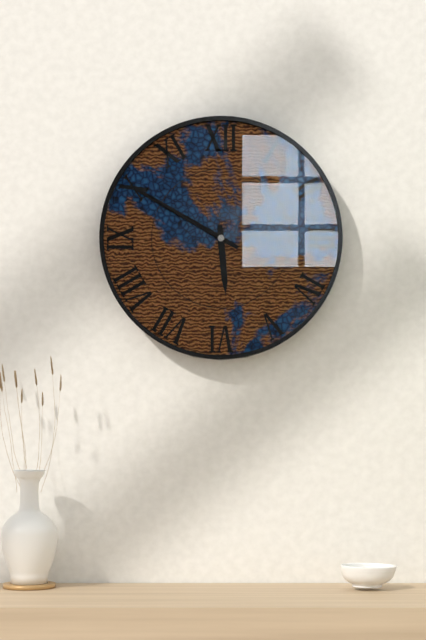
5:50
